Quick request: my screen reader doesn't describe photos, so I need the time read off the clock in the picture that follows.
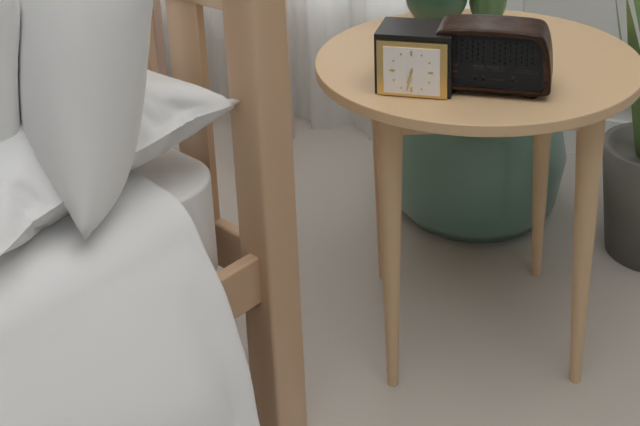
6:32
